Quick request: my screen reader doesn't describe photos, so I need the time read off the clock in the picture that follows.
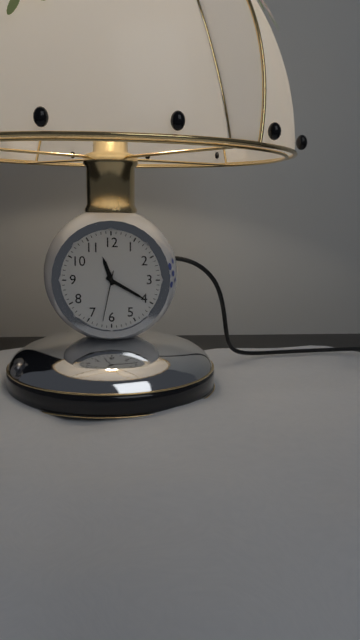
11:20:32
